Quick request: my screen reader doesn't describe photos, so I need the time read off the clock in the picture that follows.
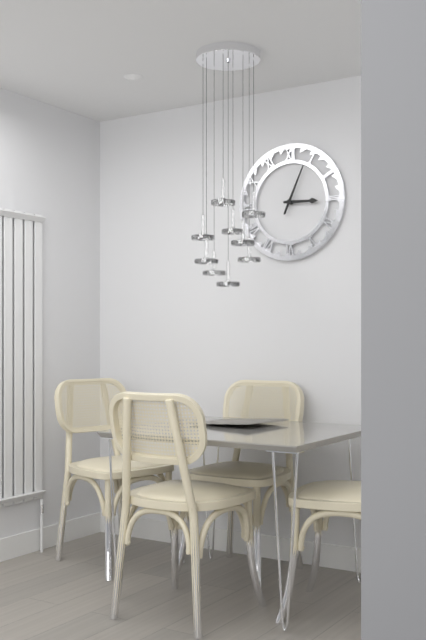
3:04
